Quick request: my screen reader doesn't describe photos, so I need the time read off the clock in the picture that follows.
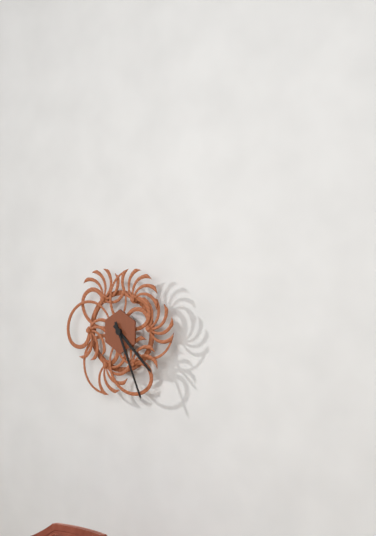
4:26
